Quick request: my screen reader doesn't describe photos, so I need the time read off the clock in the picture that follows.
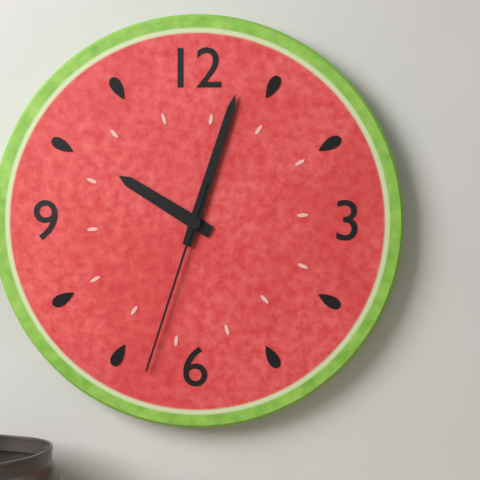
10:03:33
